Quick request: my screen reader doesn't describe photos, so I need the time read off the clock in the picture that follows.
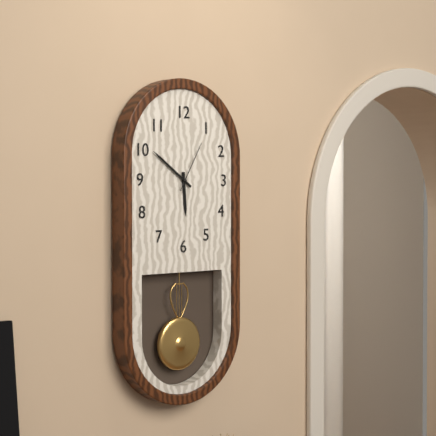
5:51:05
